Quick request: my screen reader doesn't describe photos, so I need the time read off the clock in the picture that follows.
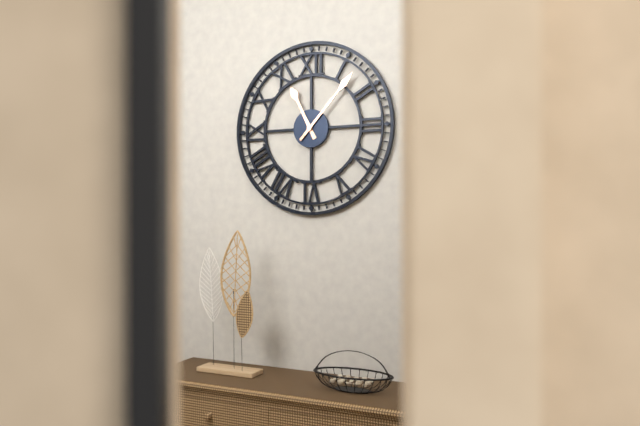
11:07
